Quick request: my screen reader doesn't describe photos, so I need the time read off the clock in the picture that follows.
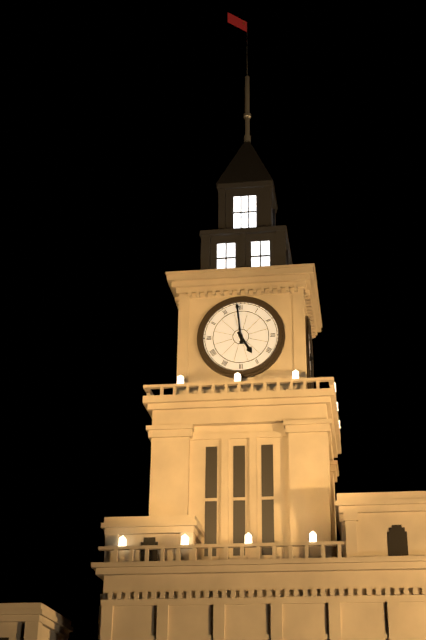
4:59
